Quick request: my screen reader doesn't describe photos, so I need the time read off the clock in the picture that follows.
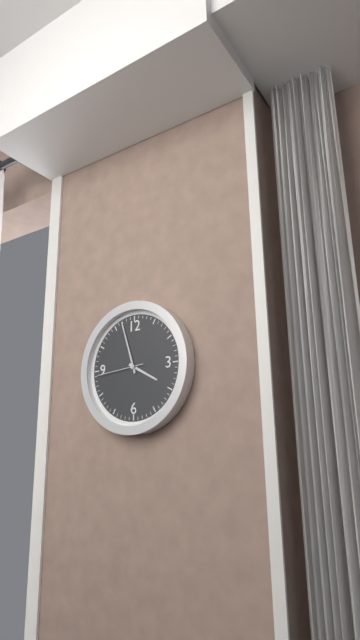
3:57
